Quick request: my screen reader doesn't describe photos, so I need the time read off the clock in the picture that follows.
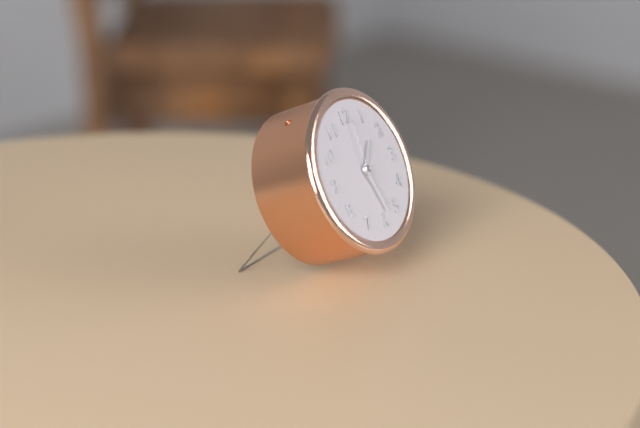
1:28:01
